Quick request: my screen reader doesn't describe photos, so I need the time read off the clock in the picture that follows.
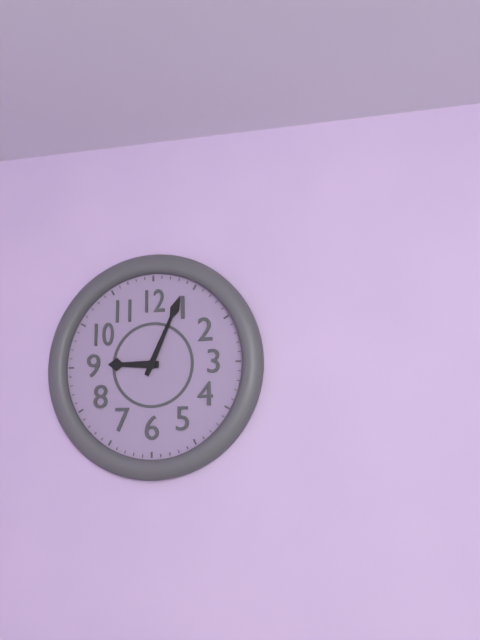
9:04
